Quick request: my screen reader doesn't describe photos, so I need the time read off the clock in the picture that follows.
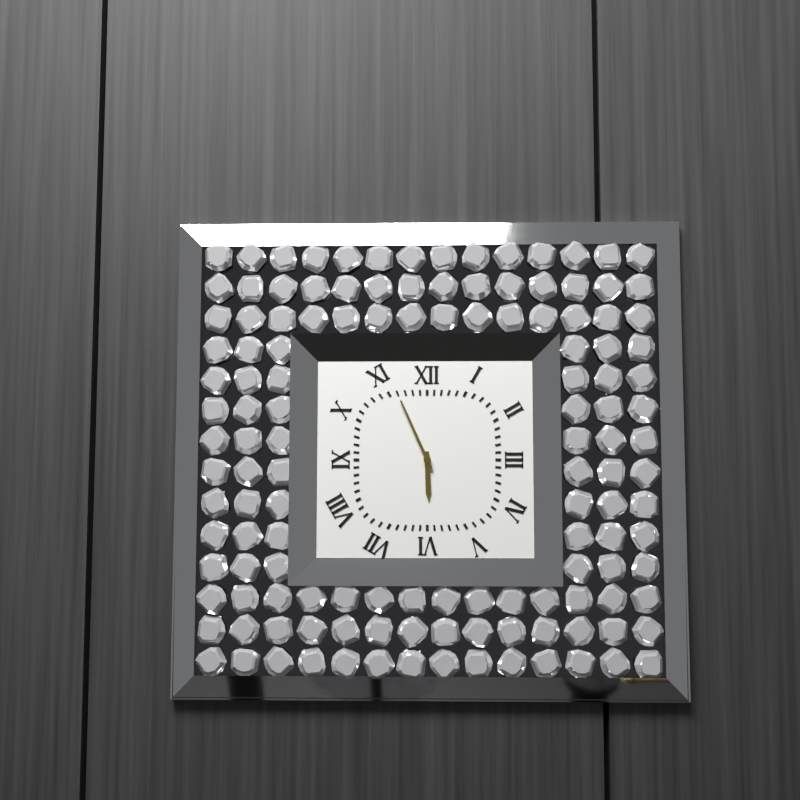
5:56
